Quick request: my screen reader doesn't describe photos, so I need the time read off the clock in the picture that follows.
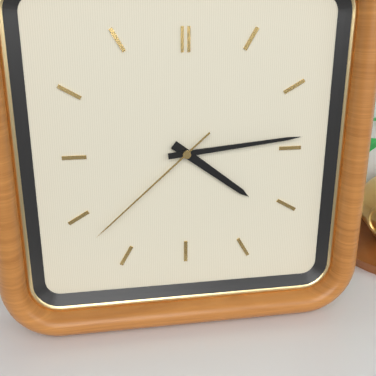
4:14:38
